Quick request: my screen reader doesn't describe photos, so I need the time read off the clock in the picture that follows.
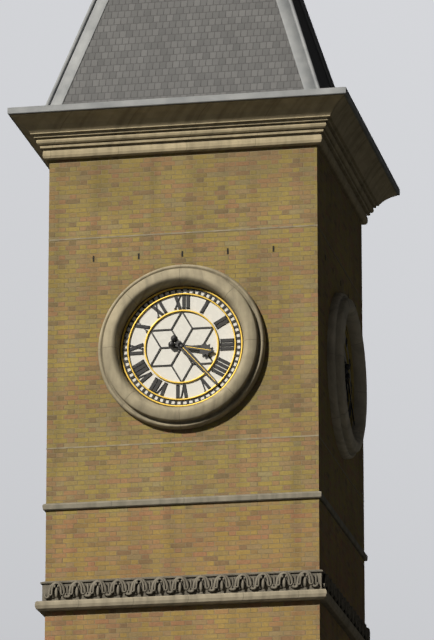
3:23
